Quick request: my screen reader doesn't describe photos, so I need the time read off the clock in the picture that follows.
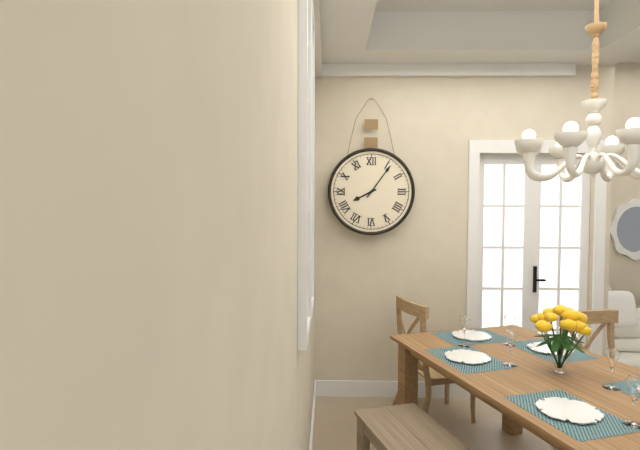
8:06
